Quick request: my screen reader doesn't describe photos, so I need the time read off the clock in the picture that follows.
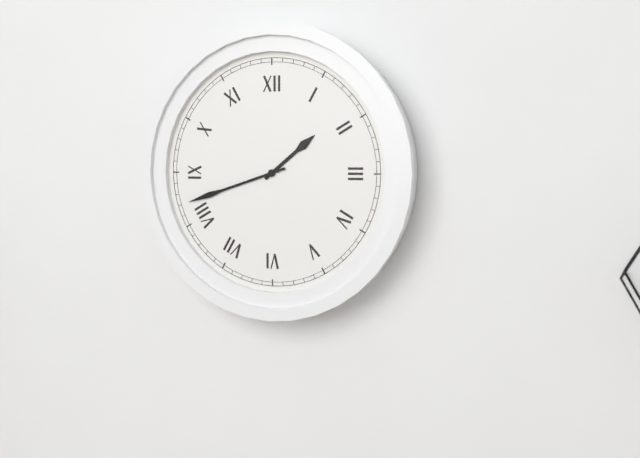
1:42
